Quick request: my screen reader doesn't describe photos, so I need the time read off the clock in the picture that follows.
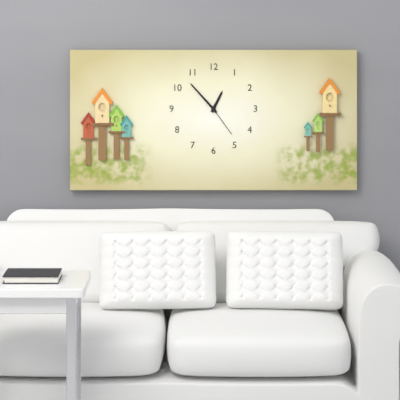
12:53
